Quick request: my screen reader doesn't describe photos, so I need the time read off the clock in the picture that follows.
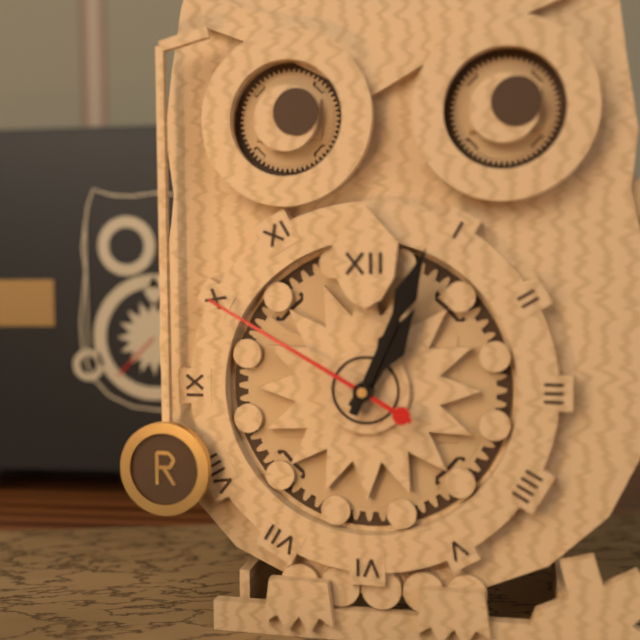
1:04:50
